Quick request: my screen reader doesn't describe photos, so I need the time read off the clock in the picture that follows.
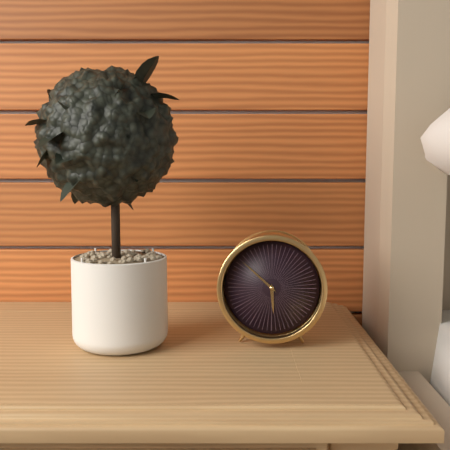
5:52
